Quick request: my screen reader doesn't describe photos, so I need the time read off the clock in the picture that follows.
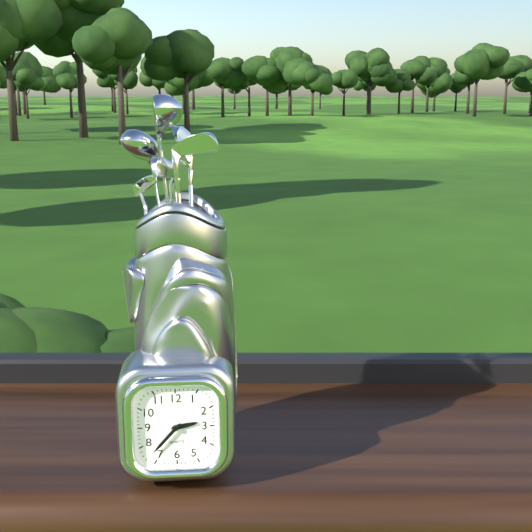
2:37
